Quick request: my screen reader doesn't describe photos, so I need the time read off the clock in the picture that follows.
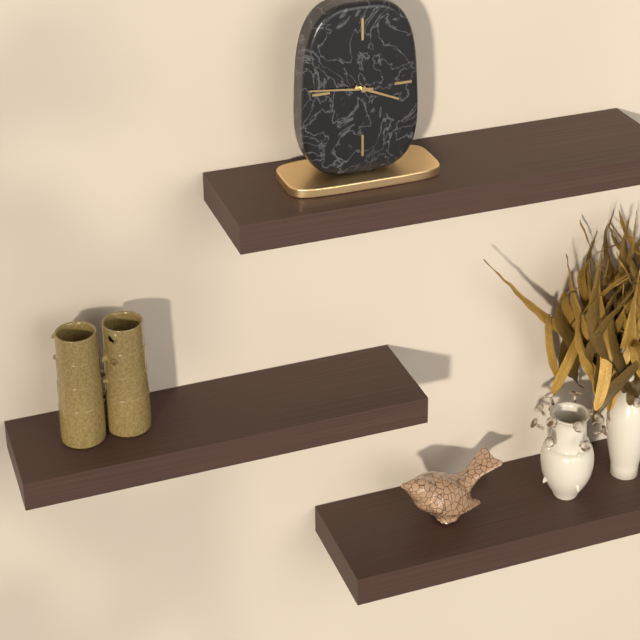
3:46
